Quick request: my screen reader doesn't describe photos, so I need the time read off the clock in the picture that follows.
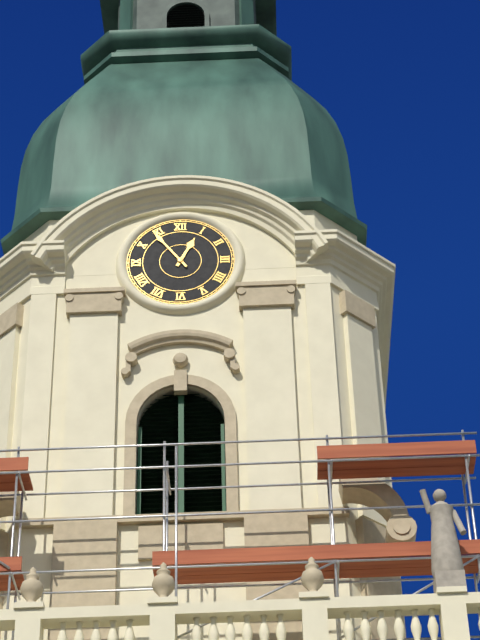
12:54
